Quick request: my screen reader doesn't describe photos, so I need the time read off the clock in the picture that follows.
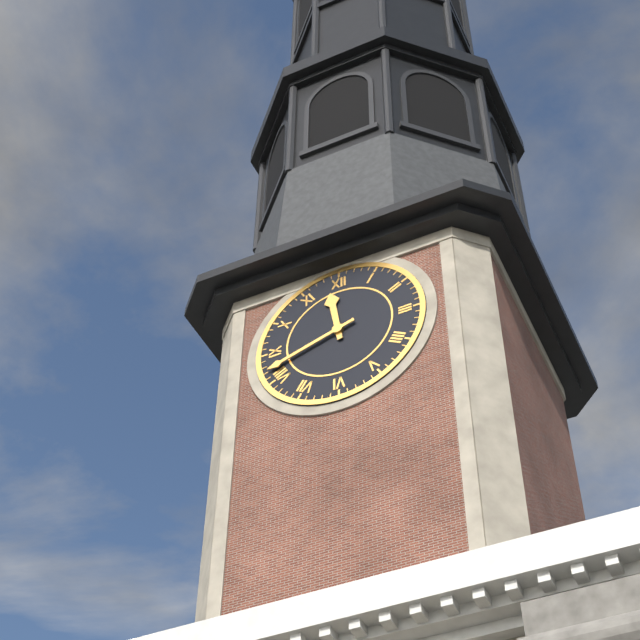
11:42
